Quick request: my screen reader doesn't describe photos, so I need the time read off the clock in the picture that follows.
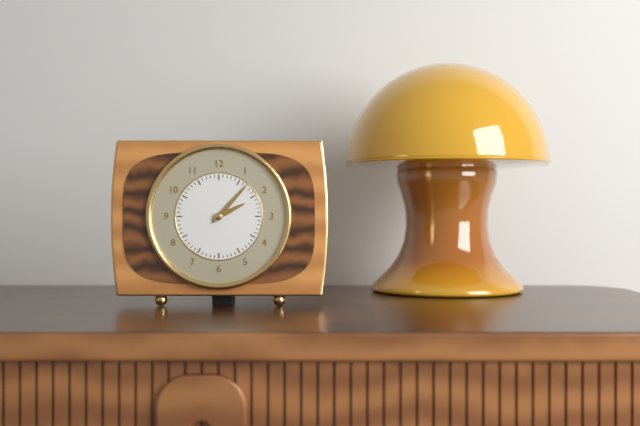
2:07
